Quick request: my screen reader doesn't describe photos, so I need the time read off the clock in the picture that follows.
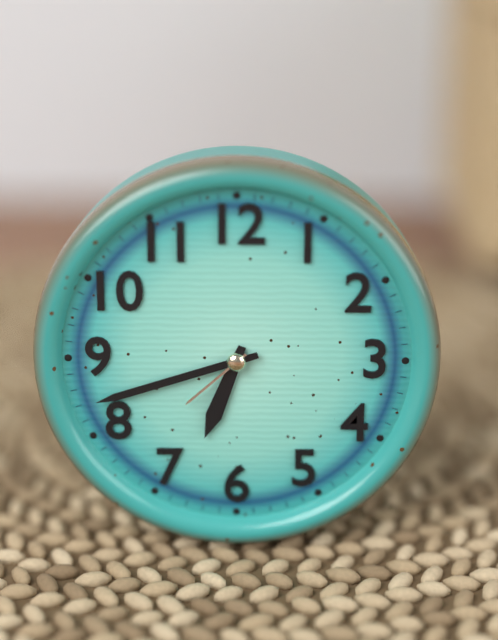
6:42:38
